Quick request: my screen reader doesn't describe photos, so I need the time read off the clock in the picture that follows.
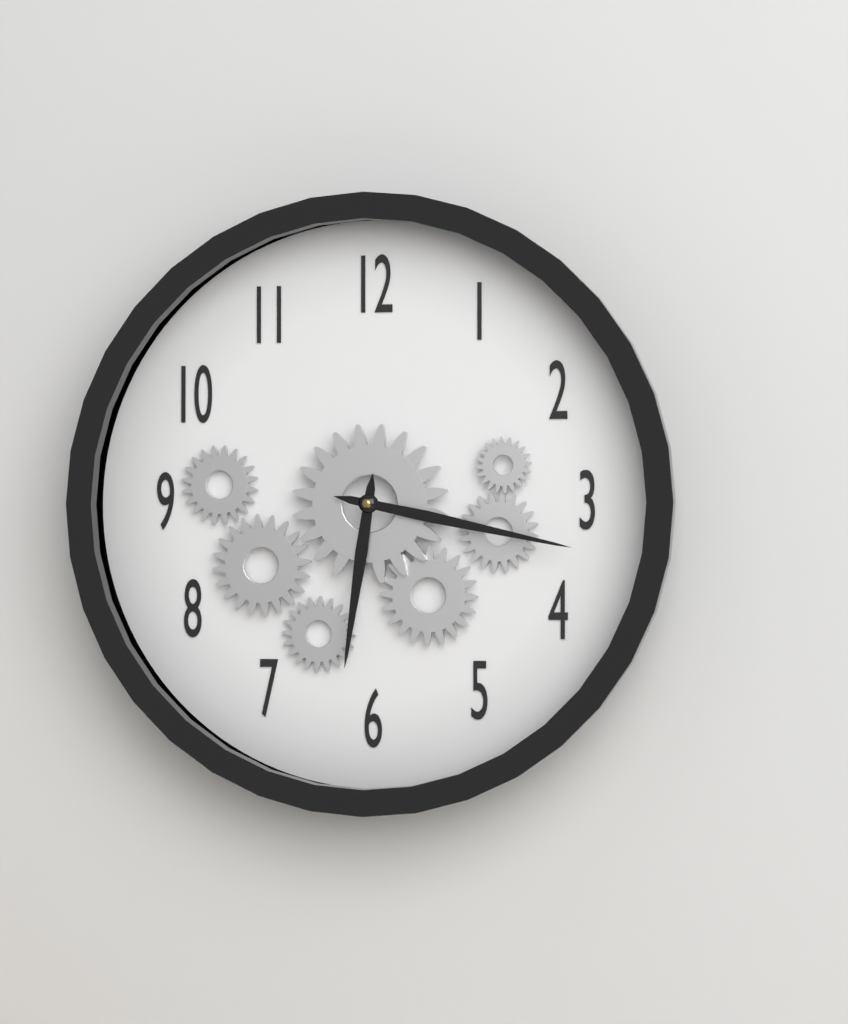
6:17
